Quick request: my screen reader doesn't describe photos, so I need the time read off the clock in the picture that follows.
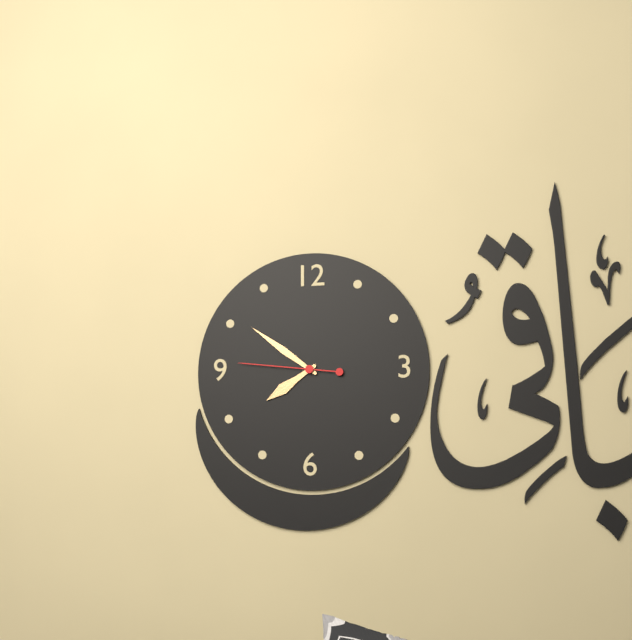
7:51:46
